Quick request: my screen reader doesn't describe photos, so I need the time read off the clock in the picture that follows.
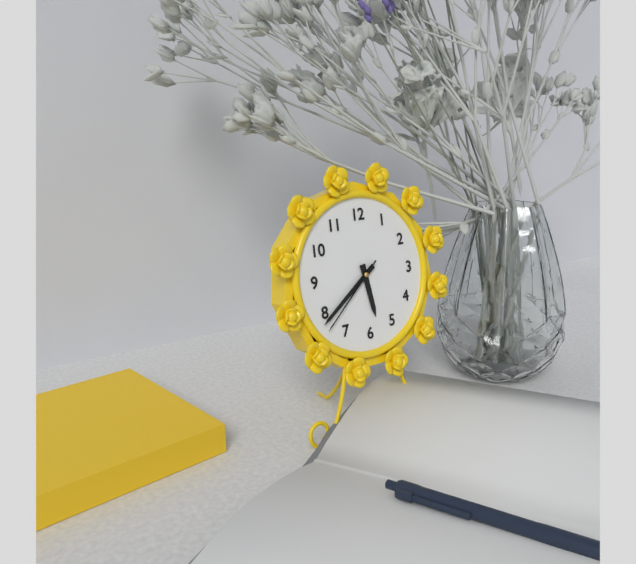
5:39:38
